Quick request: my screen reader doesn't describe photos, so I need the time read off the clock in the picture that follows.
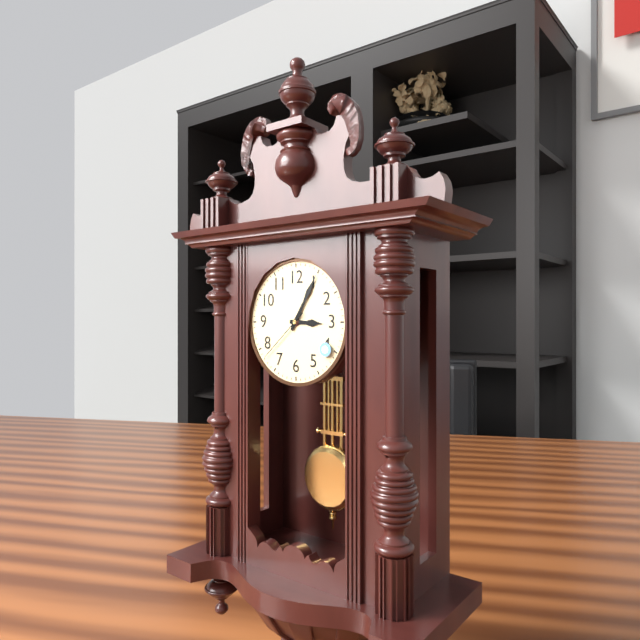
3:05:38
